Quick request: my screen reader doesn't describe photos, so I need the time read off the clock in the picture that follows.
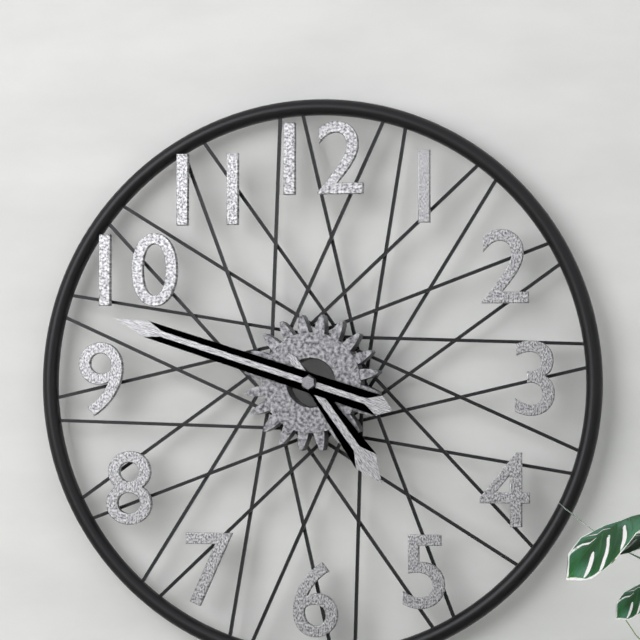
4:48
